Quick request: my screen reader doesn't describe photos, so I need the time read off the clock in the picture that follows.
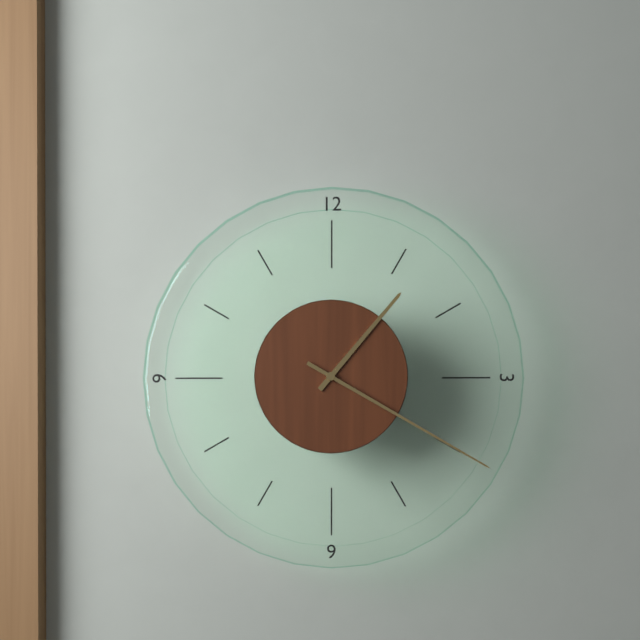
1:20
